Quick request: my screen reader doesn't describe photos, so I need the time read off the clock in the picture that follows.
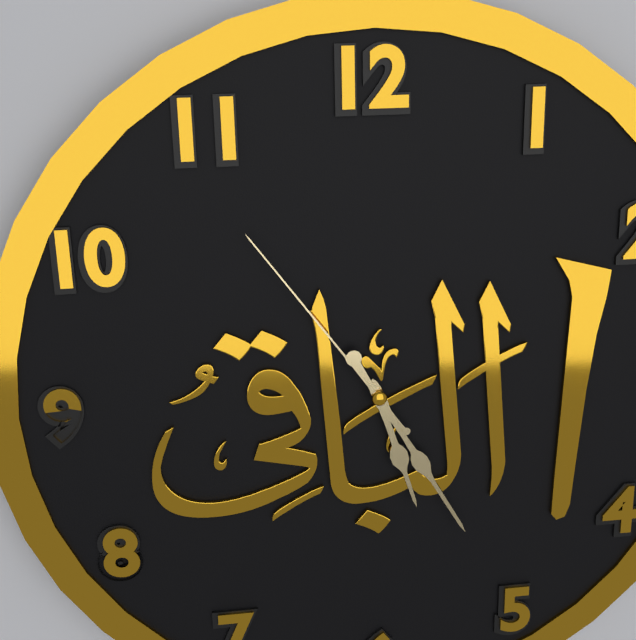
5:25:54
